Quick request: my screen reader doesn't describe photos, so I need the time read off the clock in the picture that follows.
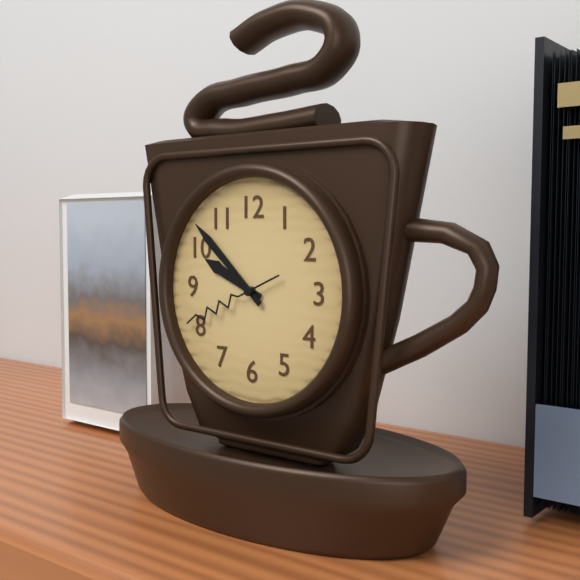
9:52:41
